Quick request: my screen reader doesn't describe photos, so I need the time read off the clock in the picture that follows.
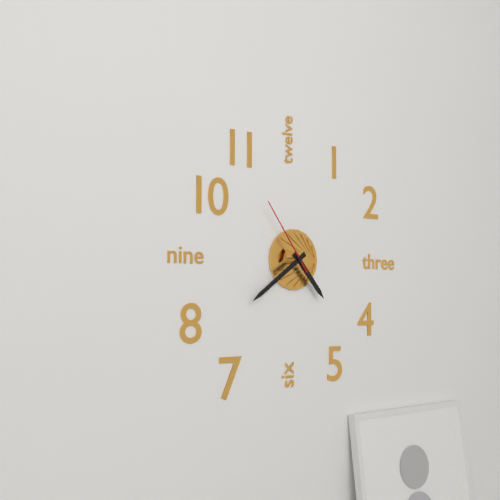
4:39:54
